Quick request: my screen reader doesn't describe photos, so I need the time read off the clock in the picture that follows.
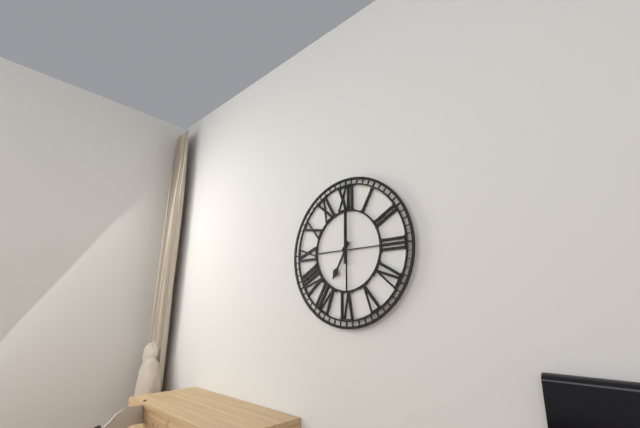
7:00
